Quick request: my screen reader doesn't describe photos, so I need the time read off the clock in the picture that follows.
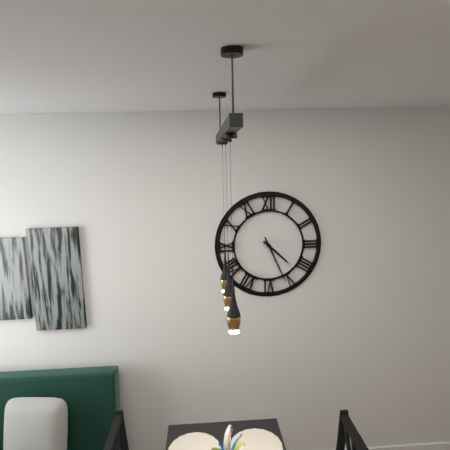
4:26
